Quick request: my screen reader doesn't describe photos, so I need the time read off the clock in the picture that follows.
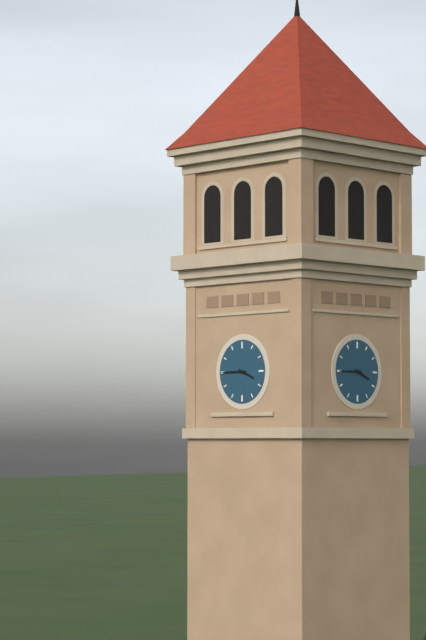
3:45
